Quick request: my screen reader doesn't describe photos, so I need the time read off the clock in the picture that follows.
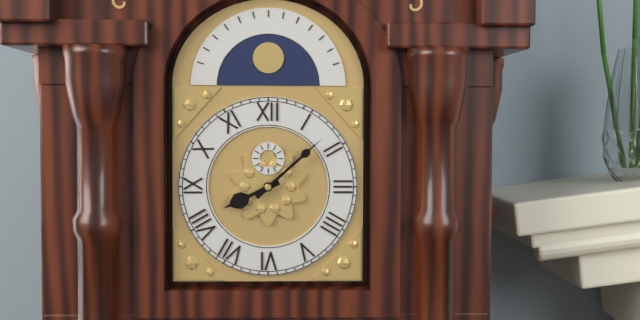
8:08
